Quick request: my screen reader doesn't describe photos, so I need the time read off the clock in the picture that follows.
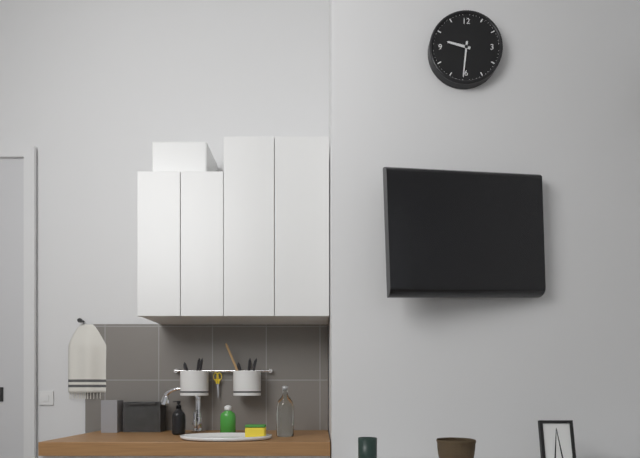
9:31
